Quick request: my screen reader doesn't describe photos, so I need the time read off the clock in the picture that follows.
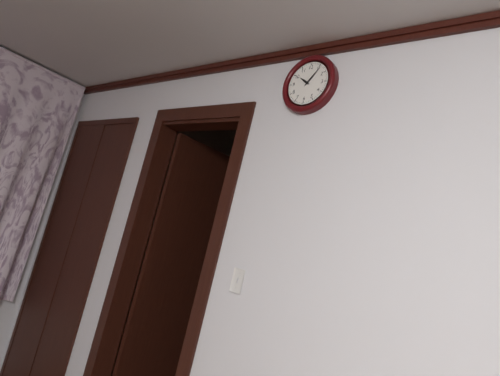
10:06
